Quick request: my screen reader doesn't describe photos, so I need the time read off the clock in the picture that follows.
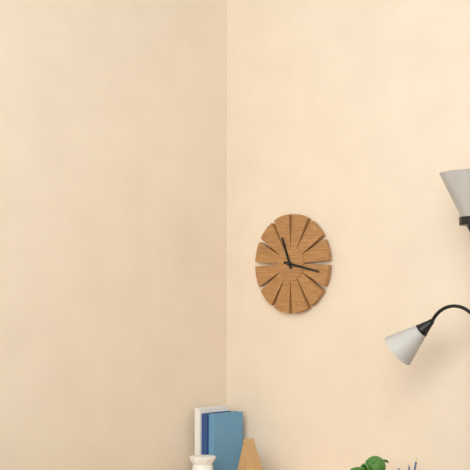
11:17
